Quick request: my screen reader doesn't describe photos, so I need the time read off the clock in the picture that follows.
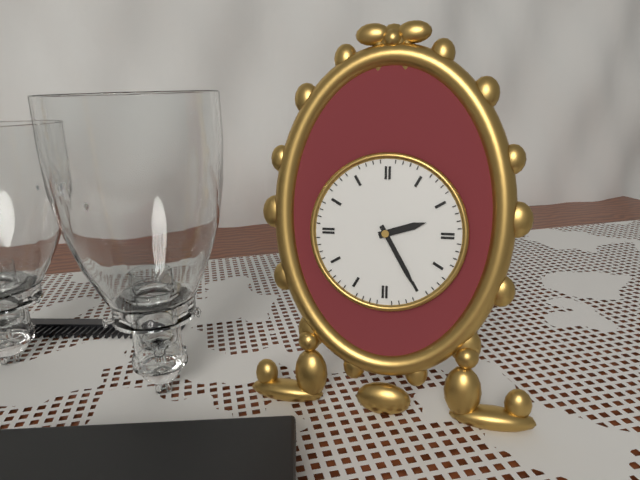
2:25
